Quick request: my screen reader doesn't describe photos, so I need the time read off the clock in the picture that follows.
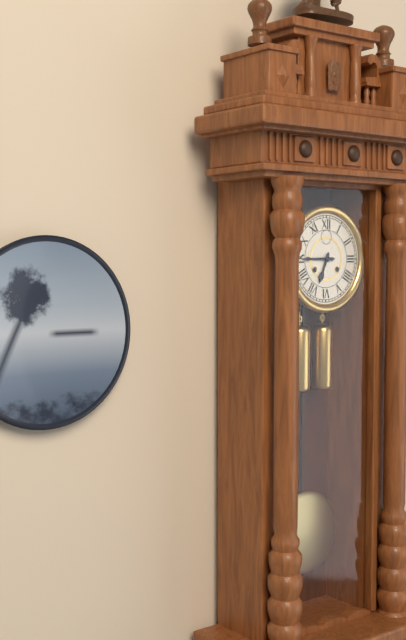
6:45
